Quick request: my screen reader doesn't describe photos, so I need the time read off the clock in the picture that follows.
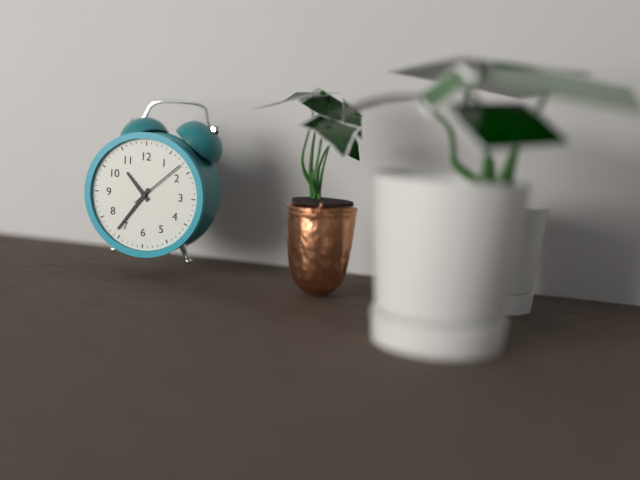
10:36:08
